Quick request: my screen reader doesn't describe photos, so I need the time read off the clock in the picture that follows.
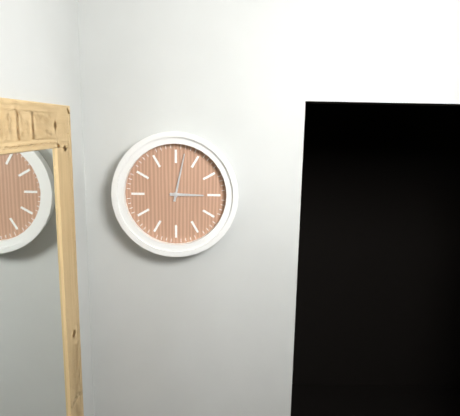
3:02
